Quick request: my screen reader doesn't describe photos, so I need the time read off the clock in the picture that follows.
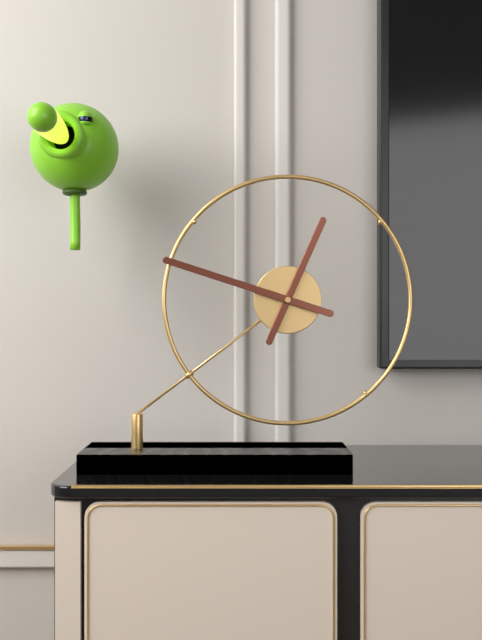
12:48
